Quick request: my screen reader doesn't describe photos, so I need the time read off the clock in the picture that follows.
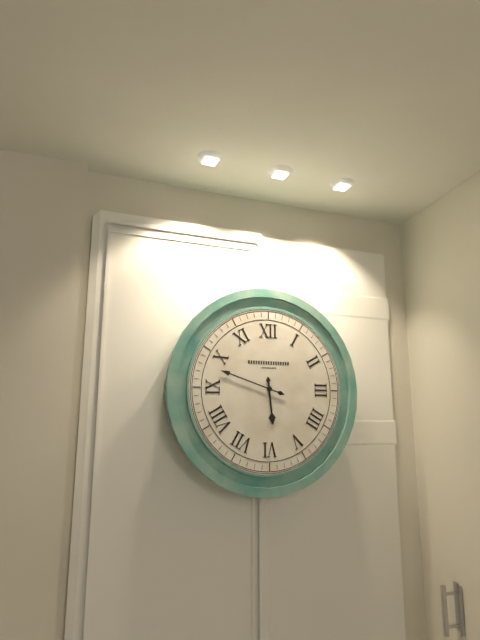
5:48
